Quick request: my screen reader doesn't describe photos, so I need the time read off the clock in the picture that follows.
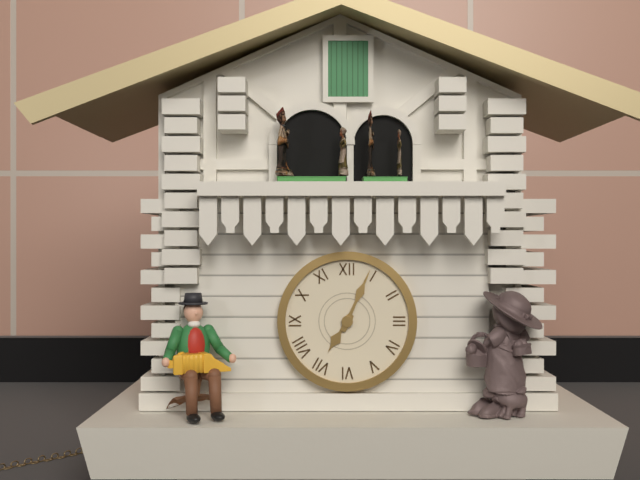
7:04
